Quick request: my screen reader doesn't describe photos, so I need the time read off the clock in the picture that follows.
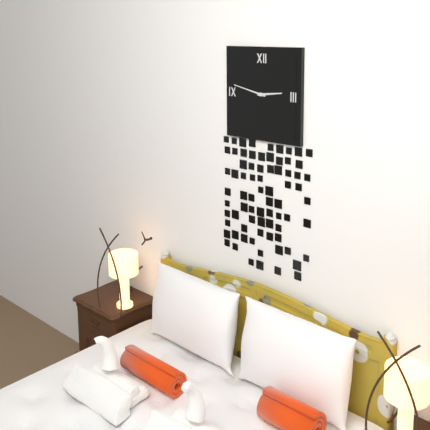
2:47
